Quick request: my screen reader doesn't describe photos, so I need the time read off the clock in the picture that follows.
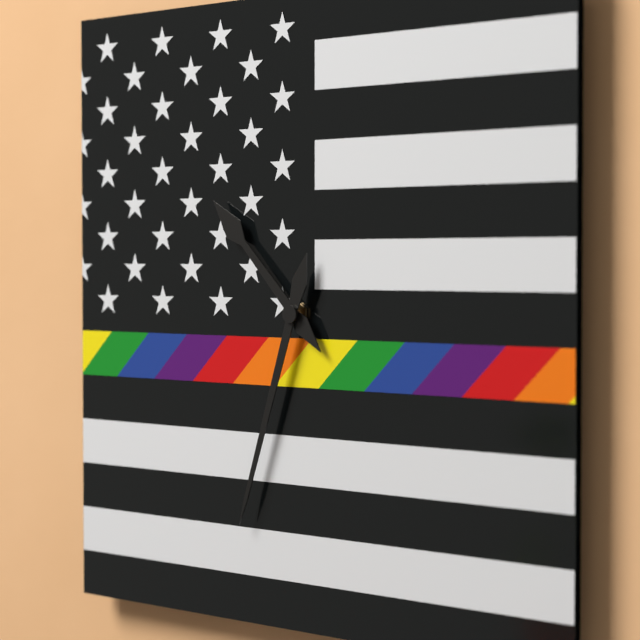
10:33
